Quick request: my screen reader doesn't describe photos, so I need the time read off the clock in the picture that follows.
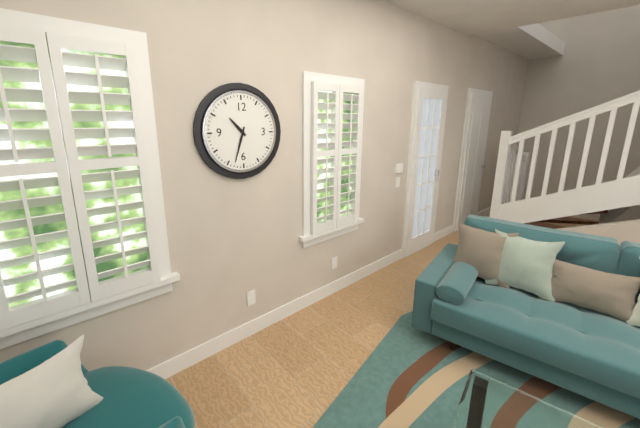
10:33
